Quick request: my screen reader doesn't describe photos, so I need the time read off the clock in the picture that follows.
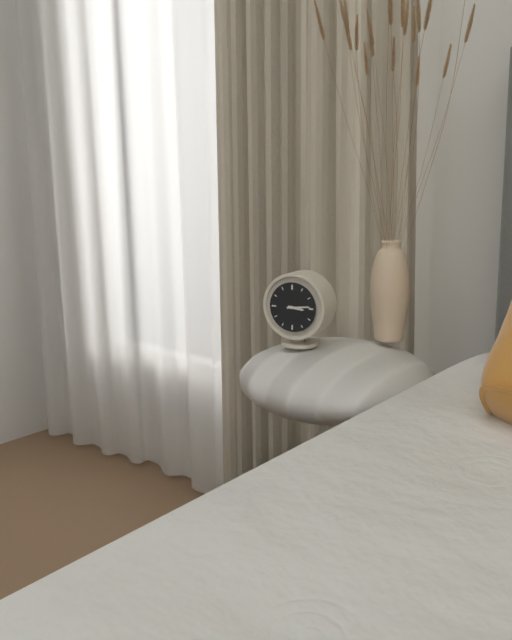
3:14
